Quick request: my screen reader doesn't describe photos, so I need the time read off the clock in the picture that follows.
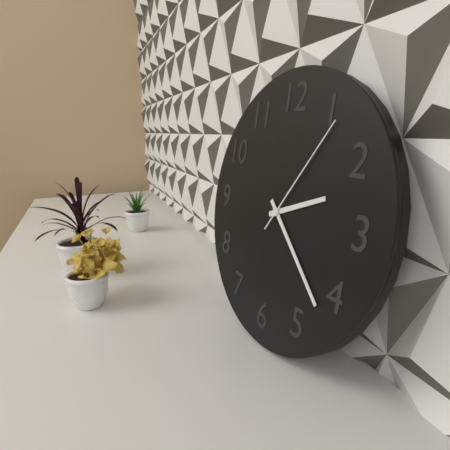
2:22:06
